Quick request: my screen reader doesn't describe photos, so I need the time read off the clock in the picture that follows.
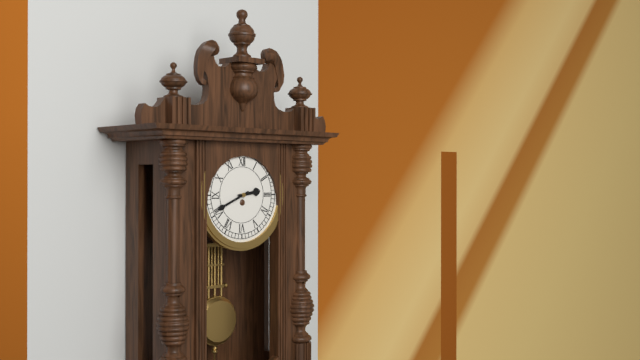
2:41
